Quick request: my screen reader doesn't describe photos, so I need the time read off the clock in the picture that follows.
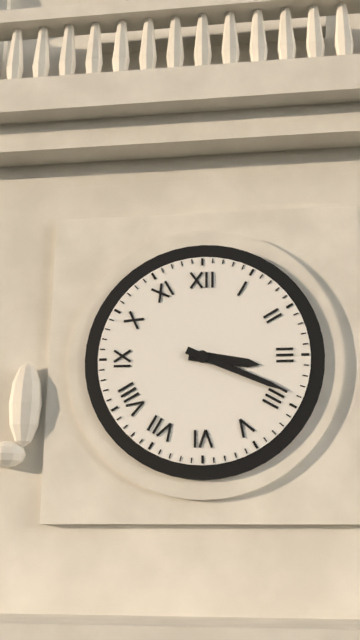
3:19
